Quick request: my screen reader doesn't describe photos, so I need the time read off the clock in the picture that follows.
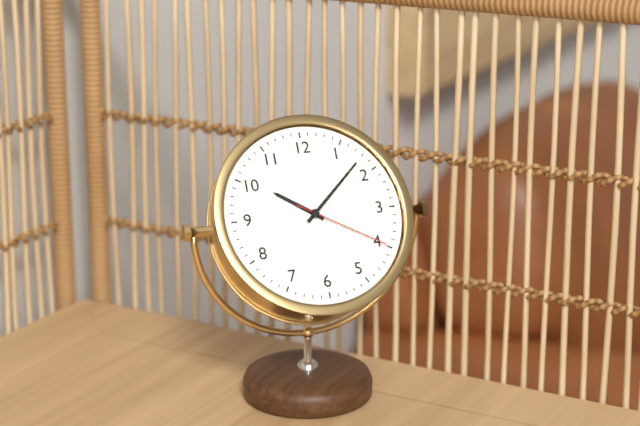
10:08:20
